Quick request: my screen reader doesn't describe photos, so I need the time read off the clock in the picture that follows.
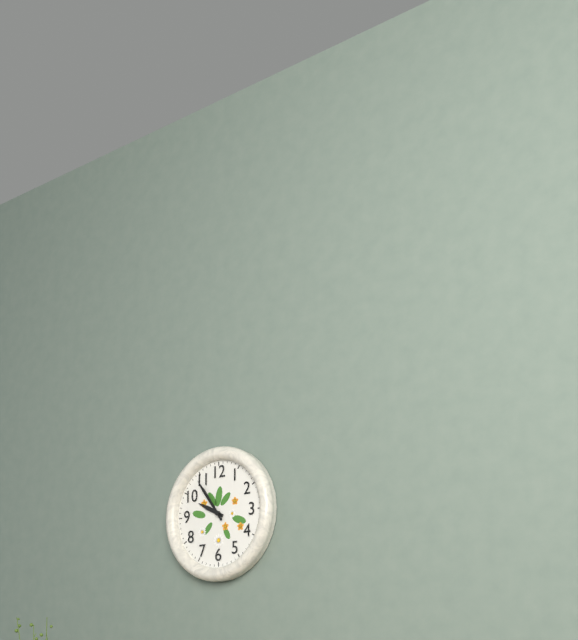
9:54
